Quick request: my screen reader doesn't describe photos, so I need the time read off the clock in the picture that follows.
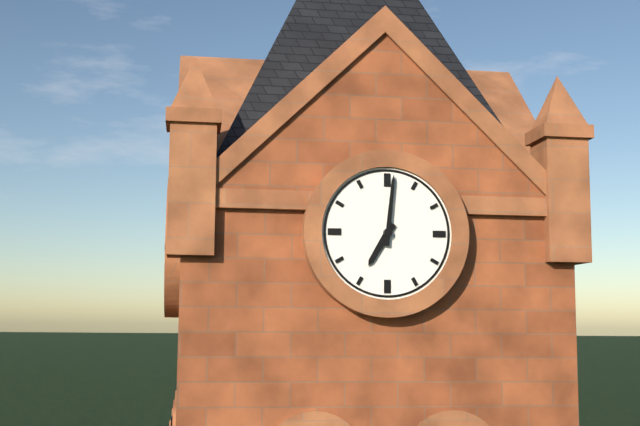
7:01
